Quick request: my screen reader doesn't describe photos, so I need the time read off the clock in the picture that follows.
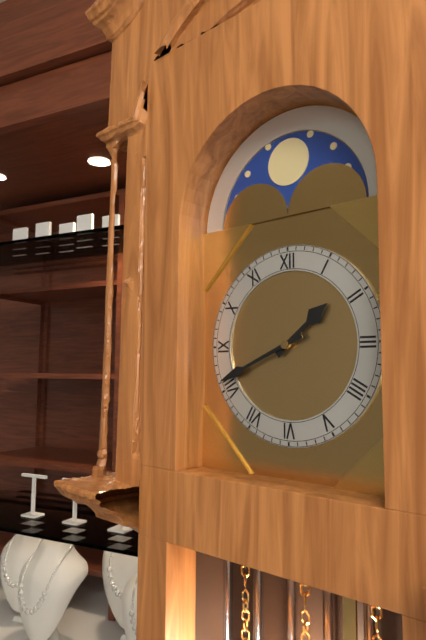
1:41
